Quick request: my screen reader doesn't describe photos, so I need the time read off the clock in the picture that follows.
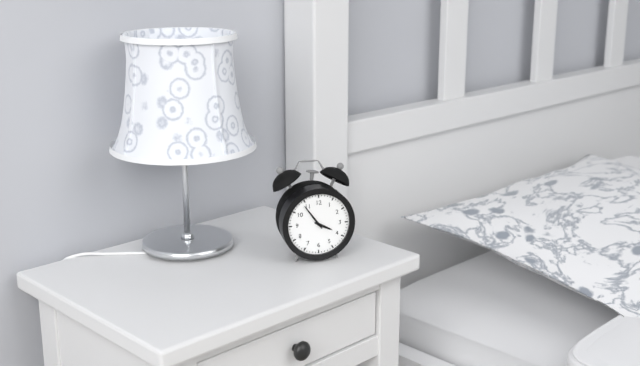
3:54
